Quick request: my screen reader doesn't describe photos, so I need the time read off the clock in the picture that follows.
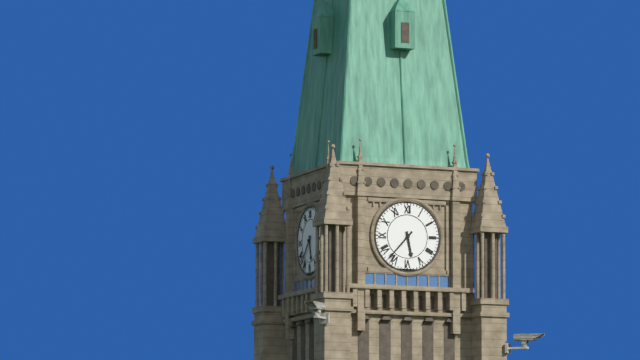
5:37
